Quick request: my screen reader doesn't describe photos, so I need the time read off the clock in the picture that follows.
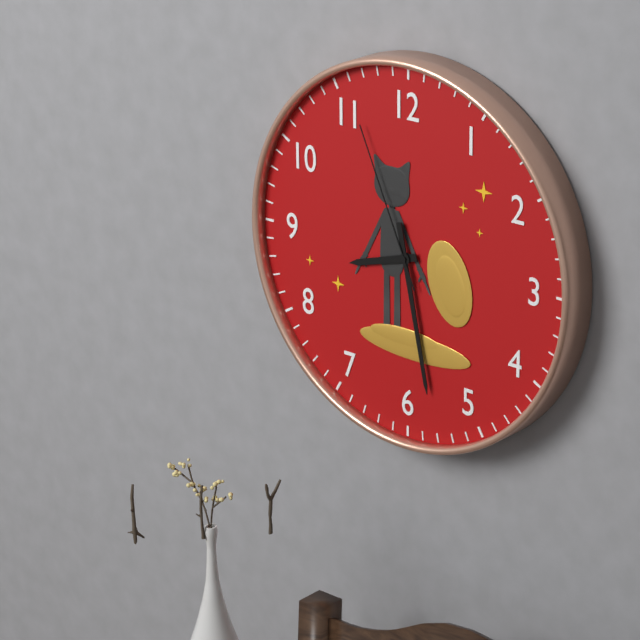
8:28:56
